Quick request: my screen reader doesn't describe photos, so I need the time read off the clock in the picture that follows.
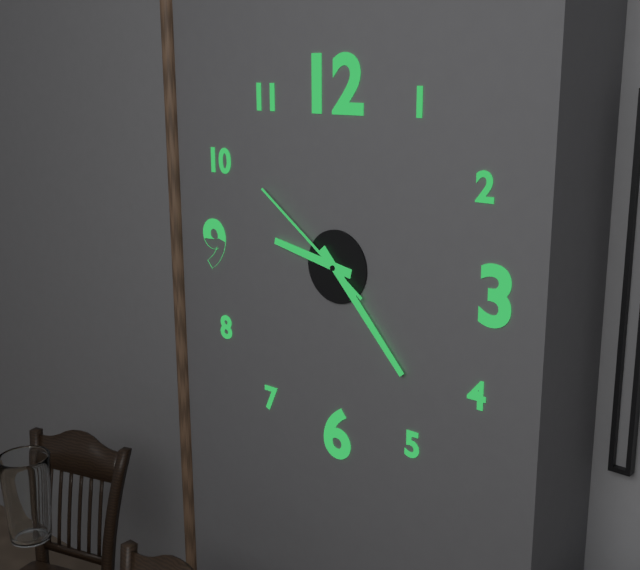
9:23:51
